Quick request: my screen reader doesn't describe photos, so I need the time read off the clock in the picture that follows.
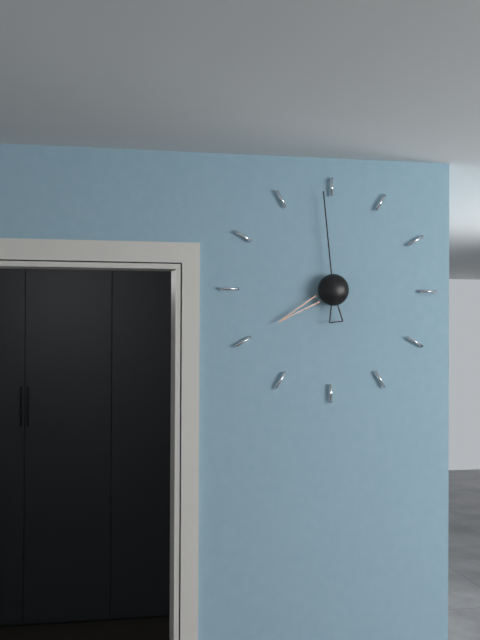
7:59
